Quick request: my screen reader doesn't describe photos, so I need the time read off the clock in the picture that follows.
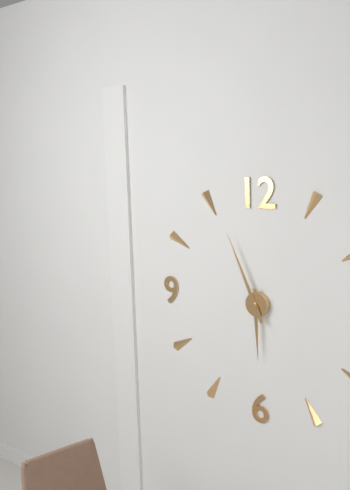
5:56
